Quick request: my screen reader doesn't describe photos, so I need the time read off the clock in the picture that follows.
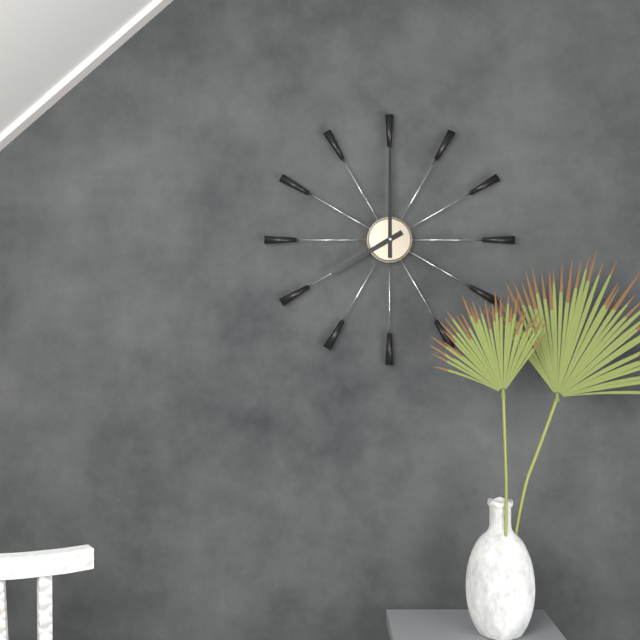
8:00
